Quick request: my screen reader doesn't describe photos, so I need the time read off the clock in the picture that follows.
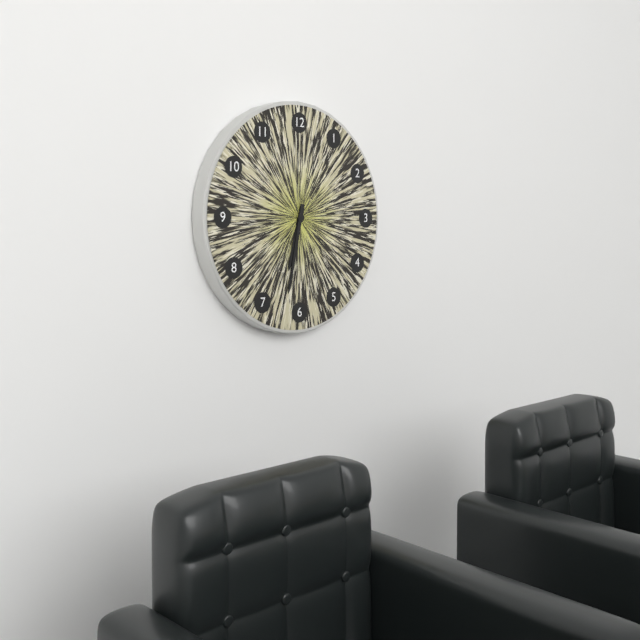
6:32
